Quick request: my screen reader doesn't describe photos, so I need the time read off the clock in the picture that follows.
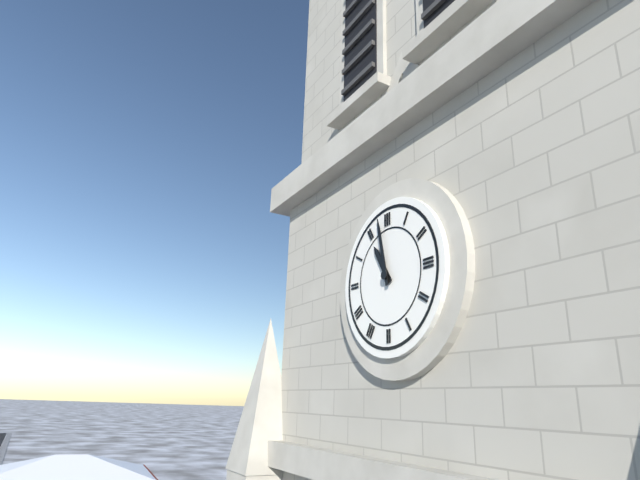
10:58
